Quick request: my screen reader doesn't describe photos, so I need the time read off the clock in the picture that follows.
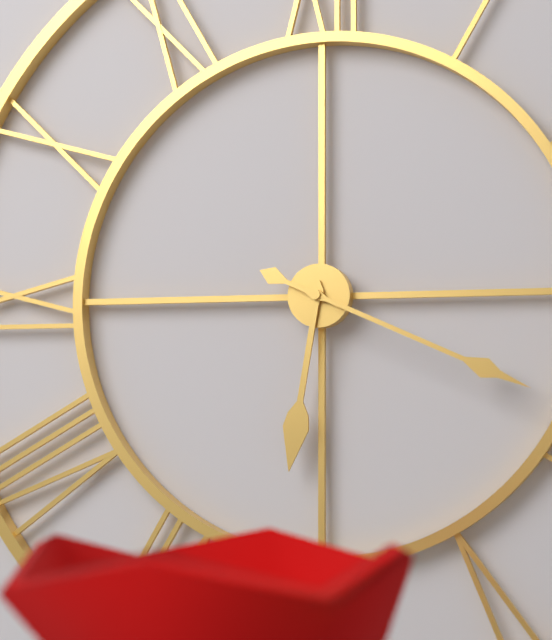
6:19
